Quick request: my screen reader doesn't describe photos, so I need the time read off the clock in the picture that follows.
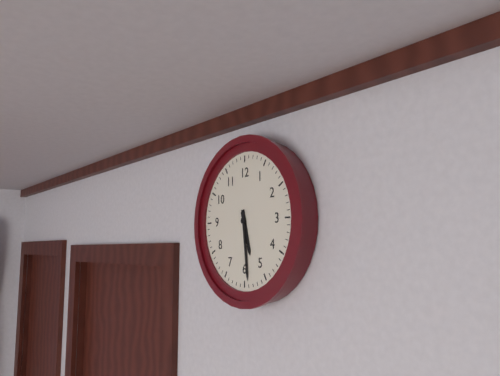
5:29
